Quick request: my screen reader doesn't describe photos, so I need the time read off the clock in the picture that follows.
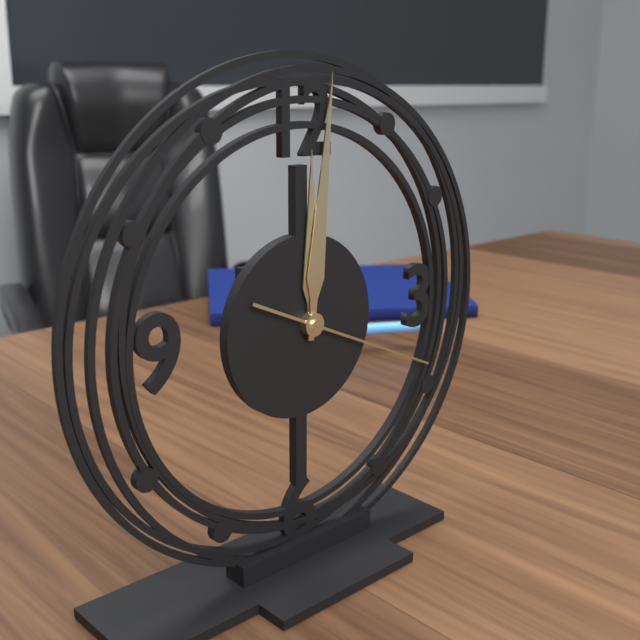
12:01:19
